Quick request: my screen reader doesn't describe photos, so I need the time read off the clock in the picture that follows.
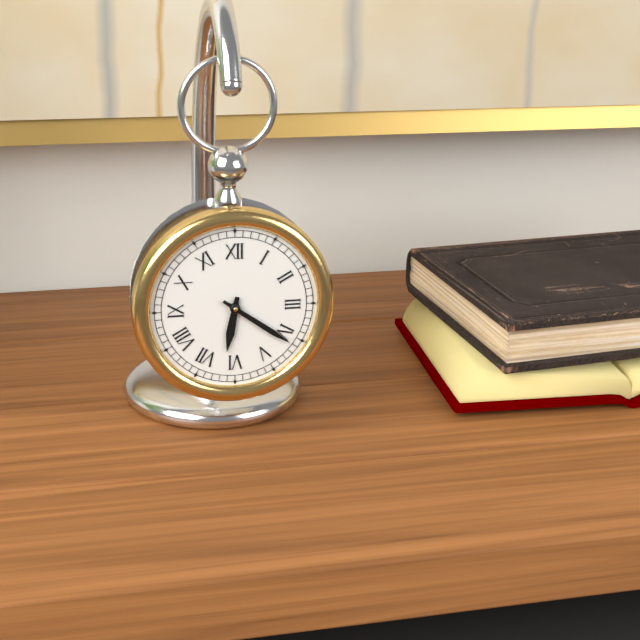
6:21
